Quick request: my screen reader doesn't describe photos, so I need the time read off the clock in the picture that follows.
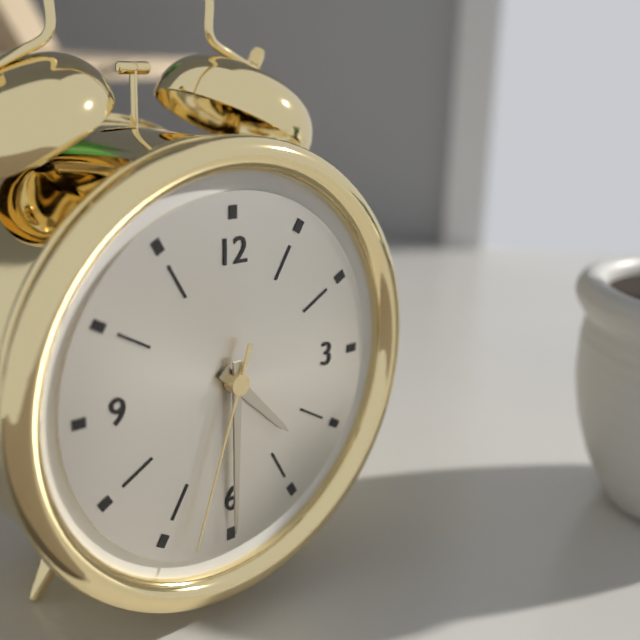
4:30:33
